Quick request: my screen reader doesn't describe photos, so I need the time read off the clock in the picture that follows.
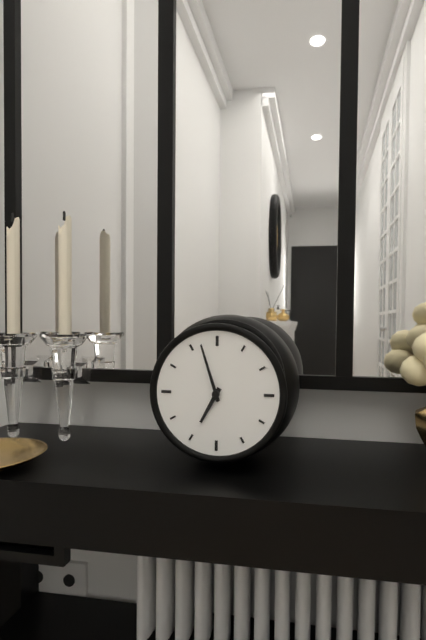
6:57
